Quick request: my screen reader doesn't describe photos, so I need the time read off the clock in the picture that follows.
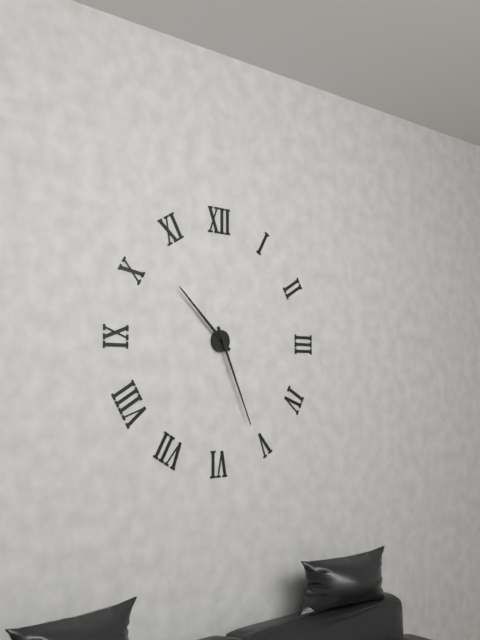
10:26
